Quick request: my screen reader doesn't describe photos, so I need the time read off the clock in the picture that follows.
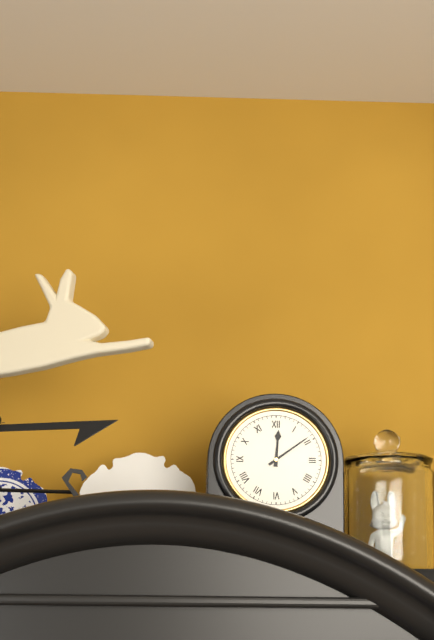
12:09
